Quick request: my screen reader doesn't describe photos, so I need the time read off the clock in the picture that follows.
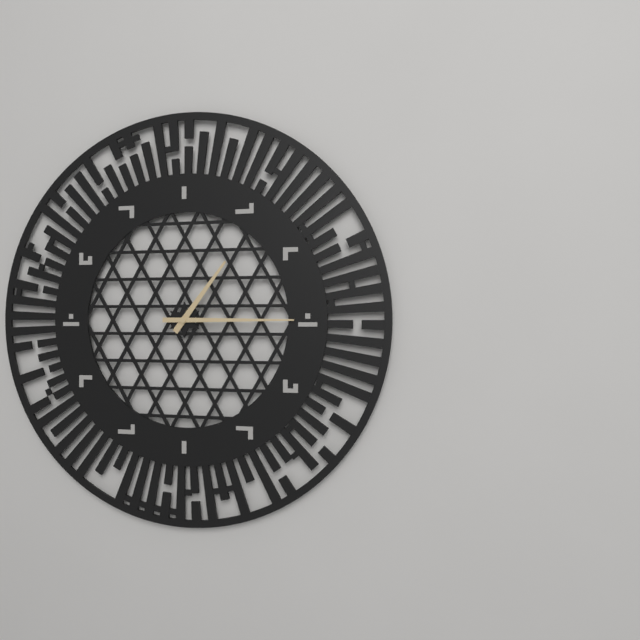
1:15
